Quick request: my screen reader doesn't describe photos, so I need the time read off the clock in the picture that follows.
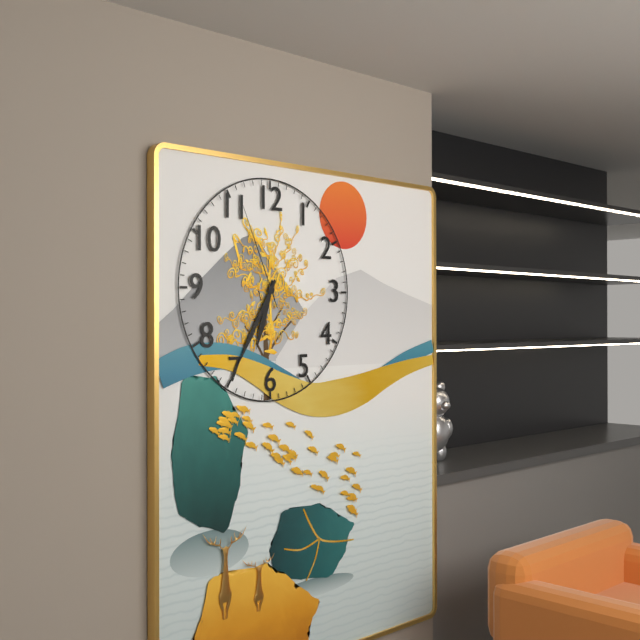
6:35:56
